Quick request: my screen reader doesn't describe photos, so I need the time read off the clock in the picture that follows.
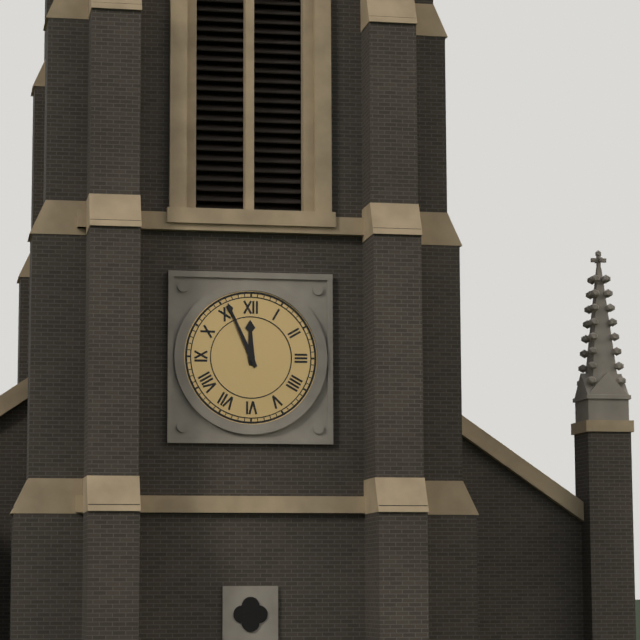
11:56
